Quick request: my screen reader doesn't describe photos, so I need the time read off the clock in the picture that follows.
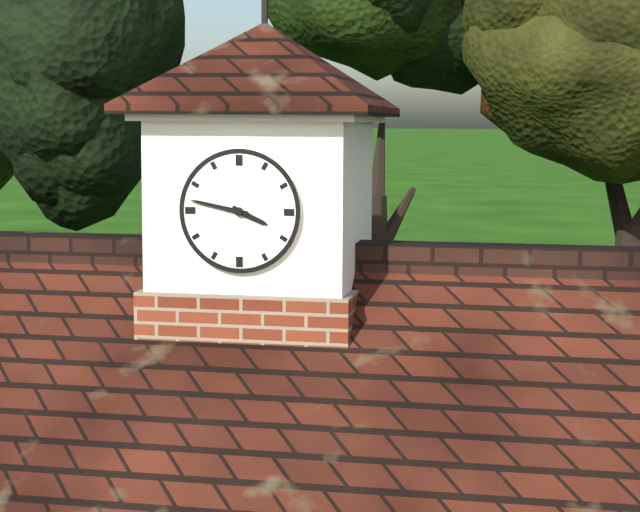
3:47
